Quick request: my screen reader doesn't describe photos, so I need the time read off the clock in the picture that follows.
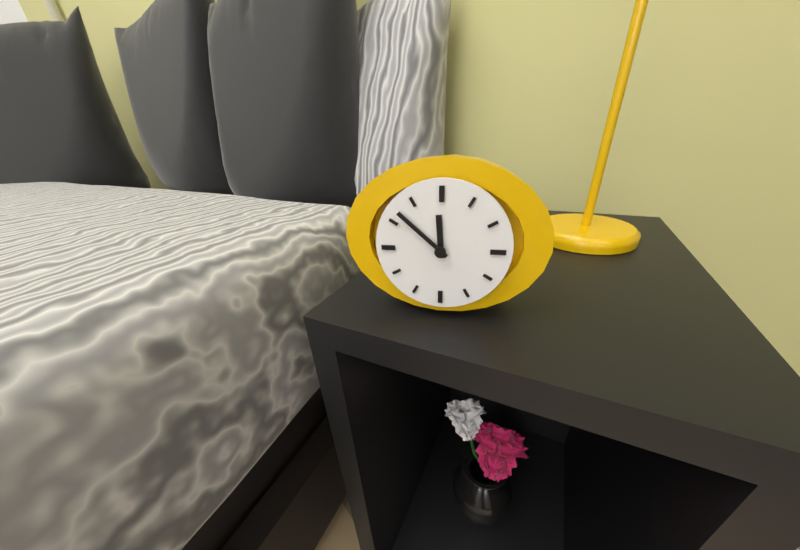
11:52
